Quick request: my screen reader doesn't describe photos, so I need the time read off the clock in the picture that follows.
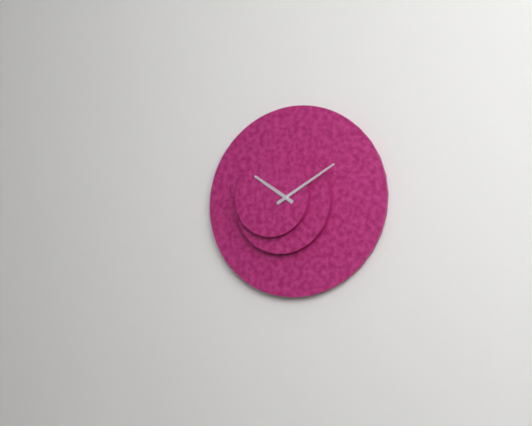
10:10
